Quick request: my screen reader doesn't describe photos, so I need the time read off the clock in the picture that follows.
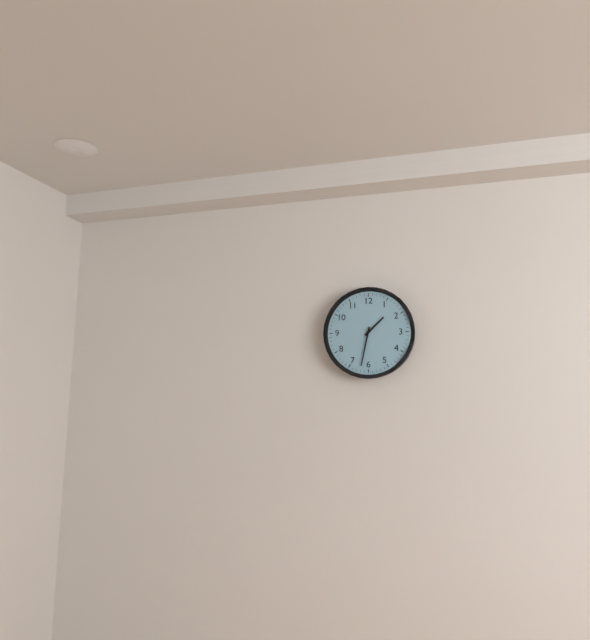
1:32
